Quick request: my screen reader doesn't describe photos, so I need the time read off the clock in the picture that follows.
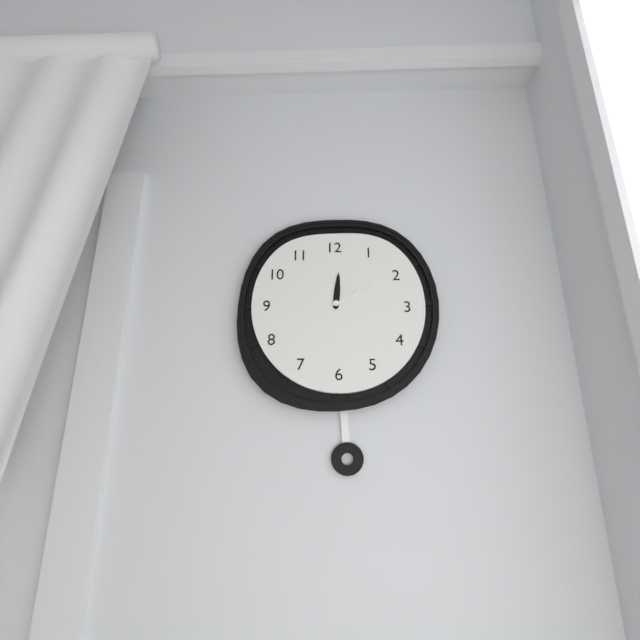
12:10
